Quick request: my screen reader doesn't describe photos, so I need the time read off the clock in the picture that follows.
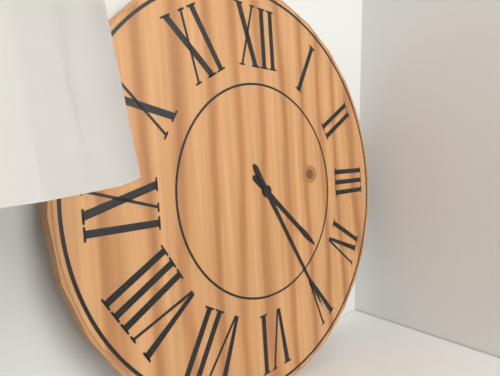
4:25
